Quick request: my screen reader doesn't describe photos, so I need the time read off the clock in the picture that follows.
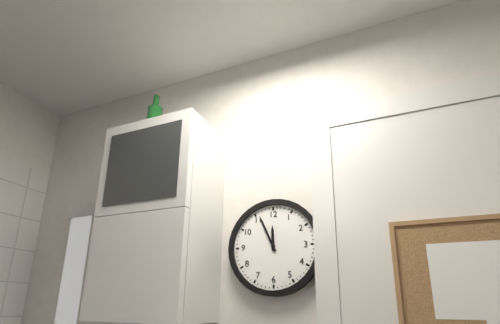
11:56
